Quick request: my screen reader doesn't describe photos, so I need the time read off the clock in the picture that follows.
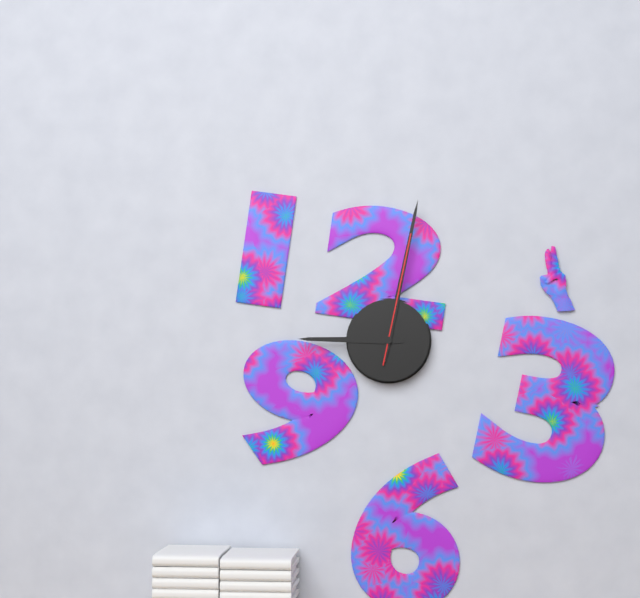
9:02:02
